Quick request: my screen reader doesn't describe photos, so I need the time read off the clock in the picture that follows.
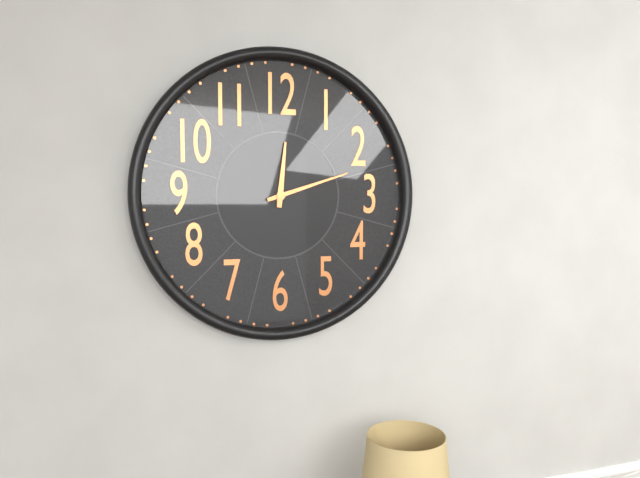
12:12
